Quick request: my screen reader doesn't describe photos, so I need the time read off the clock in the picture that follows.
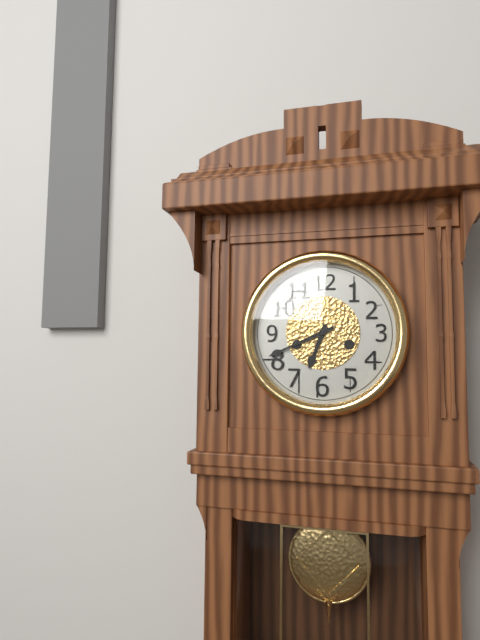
6:41
